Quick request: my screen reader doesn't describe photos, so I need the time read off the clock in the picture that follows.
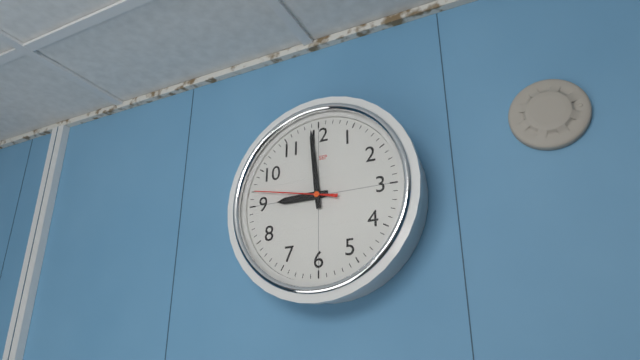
8:59:47
